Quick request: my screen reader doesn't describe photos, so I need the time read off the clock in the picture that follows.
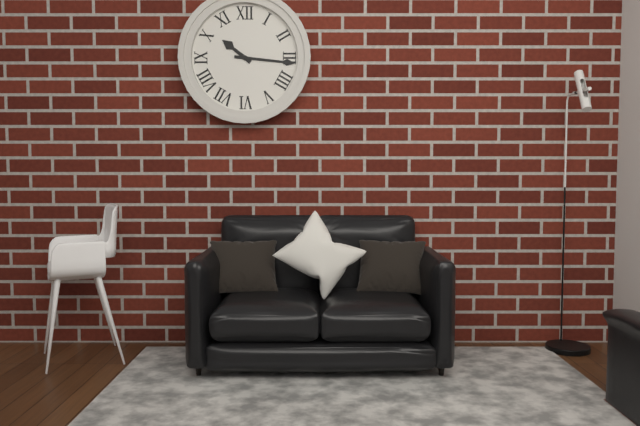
10:16
